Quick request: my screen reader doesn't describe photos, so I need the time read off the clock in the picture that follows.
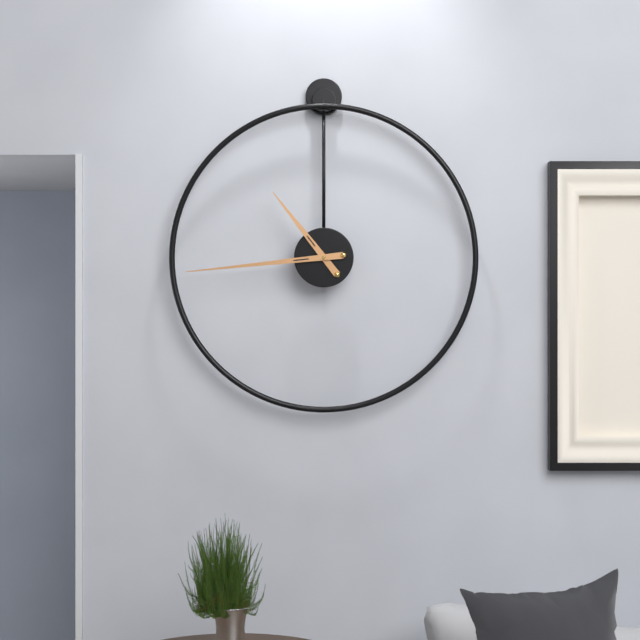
10:44
